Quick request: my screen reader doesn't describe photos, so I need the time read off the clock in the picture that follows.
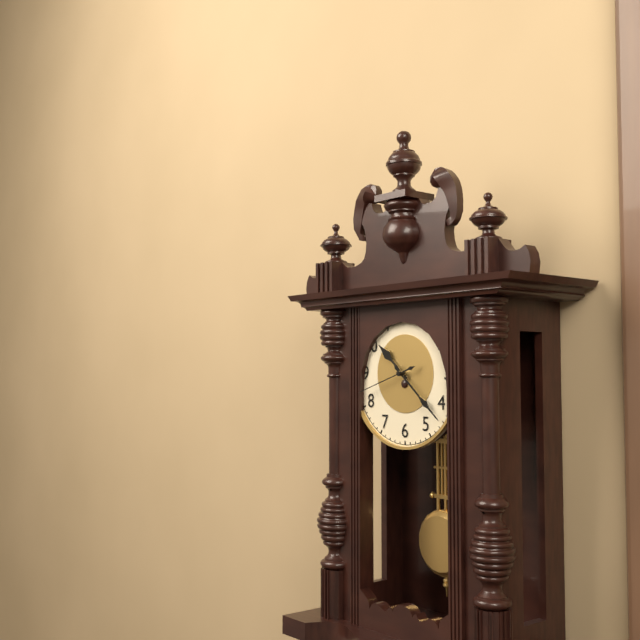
10:22:42
